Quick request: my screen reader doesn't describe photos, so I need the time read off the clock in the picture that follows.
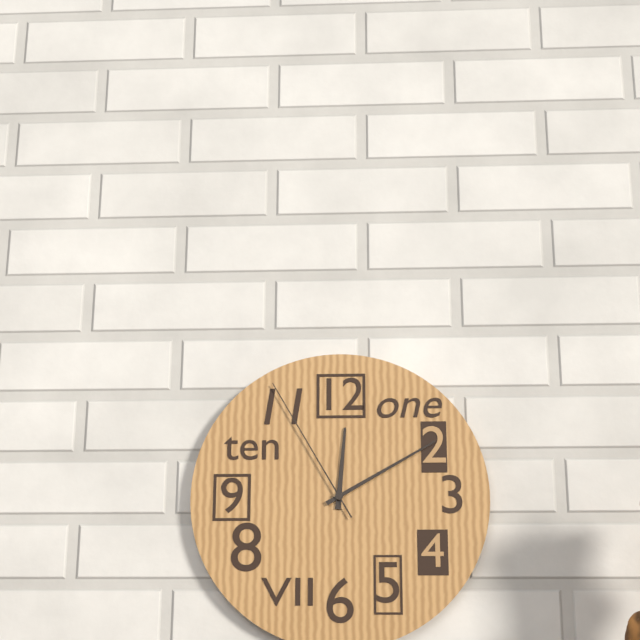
12:10:55
